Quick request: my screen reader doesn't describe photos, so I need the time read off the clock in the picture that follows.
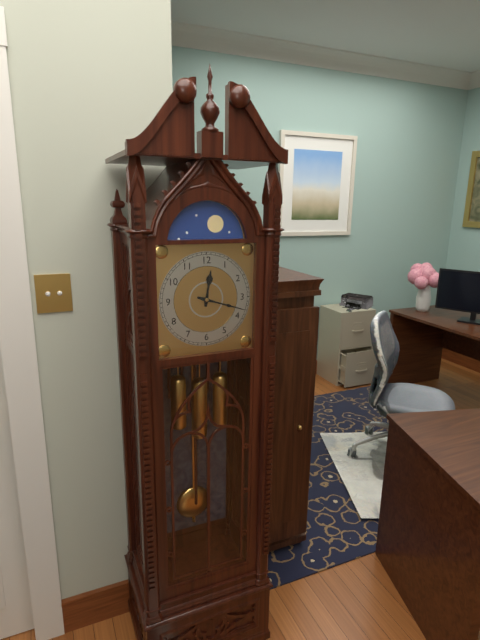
12:18
